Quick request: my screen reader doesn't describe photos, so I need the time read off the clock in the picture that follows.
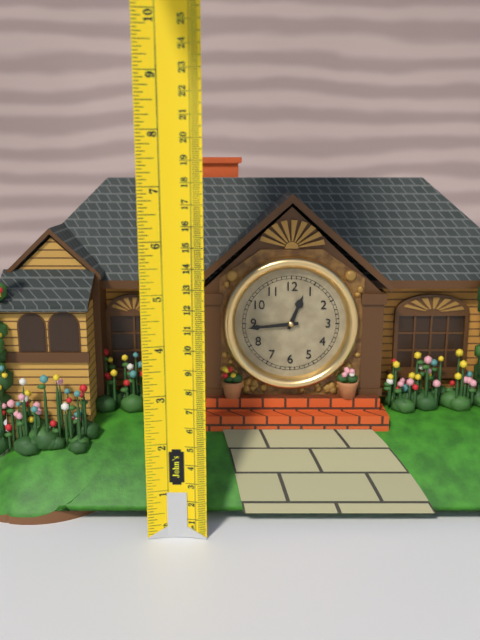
12:44
